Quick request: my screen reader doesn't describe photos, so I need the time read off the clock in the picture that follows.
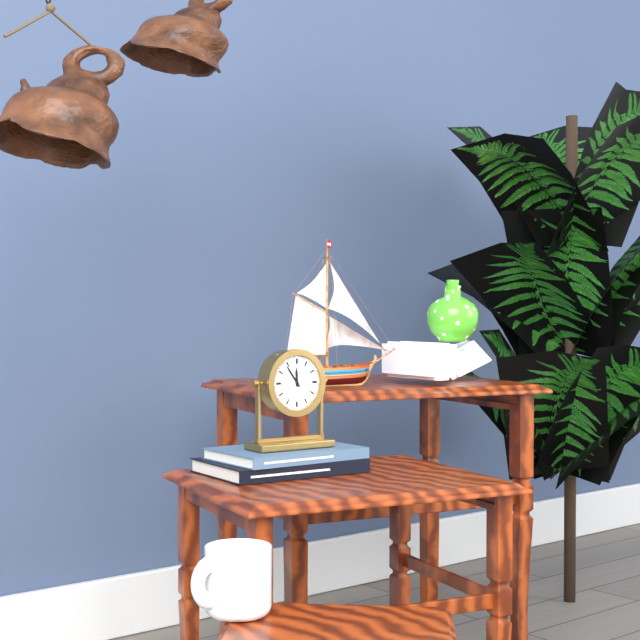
11:54
